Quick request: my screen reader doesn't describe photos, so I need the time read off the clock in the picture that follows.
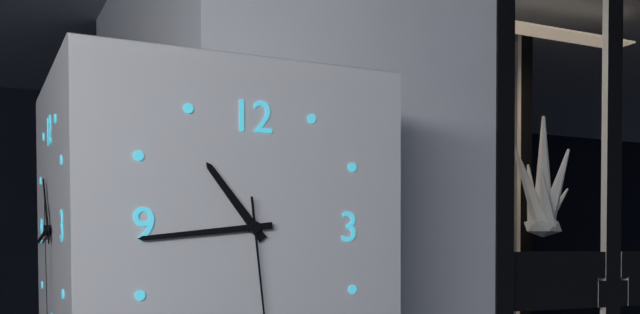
10:44
